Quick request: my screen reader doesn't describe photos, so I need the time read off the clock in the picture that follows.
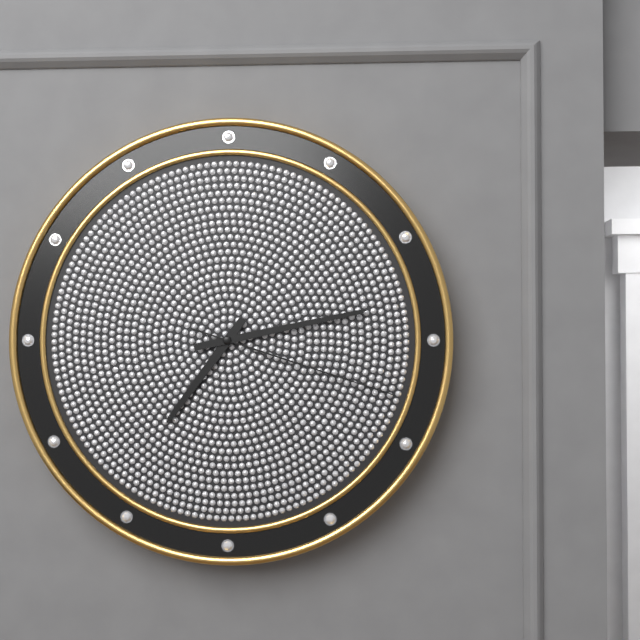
7:13:18
